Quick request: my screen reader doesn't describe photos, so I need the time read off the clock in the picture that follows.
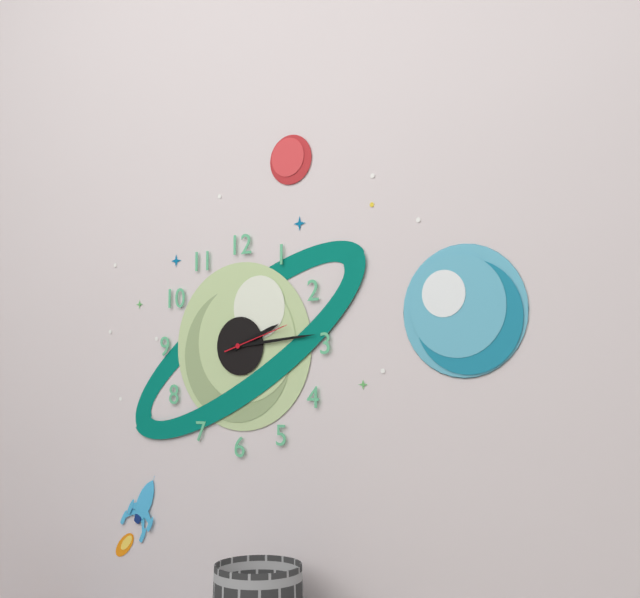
2:14:12
